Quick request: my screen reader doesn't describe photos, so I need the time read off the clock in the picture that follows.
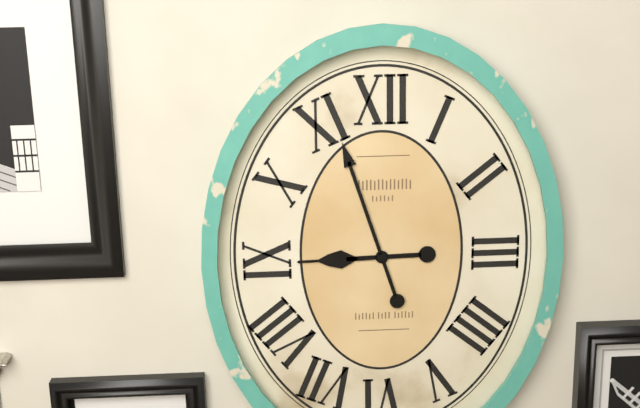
8:57
